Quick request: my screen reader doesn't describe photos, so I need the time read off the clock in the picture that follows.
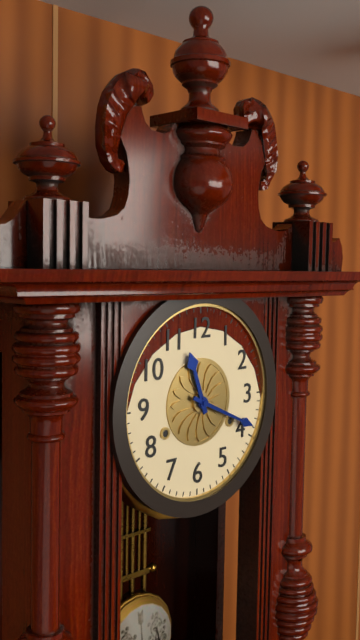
11:19
